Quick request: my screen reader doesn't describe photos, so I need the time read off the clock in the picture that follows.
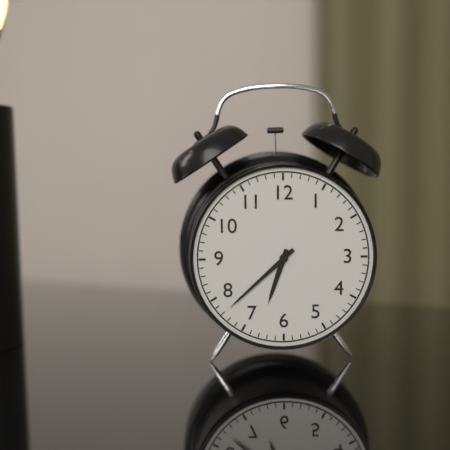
6:38
